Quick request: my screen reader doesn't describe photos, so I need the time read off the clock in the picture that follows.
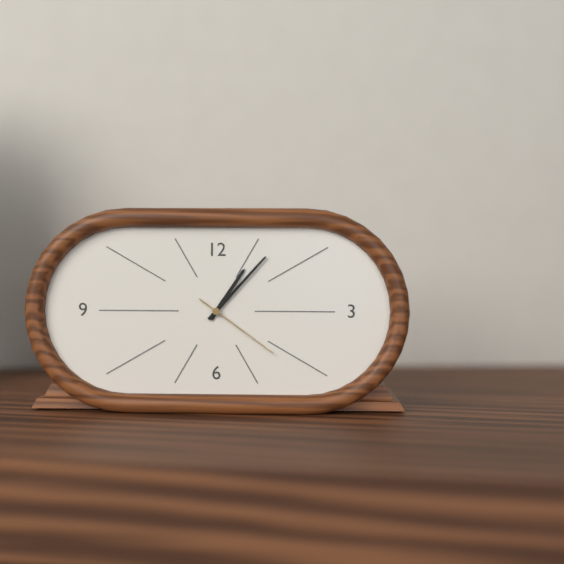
1:07:21
